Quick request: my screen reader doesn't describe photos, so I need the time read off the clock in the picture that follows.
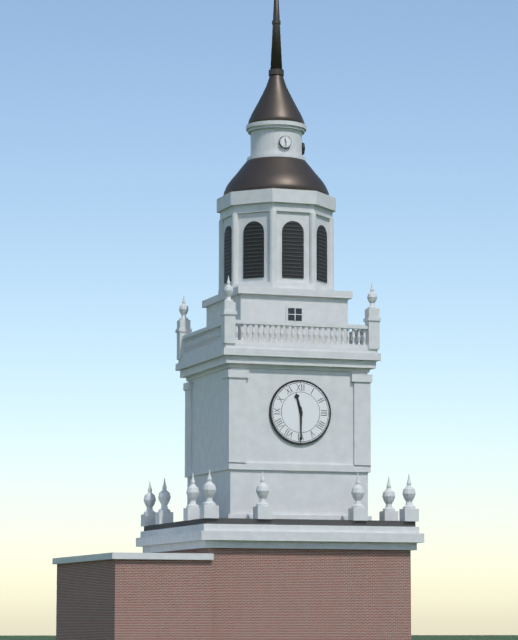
11:30
